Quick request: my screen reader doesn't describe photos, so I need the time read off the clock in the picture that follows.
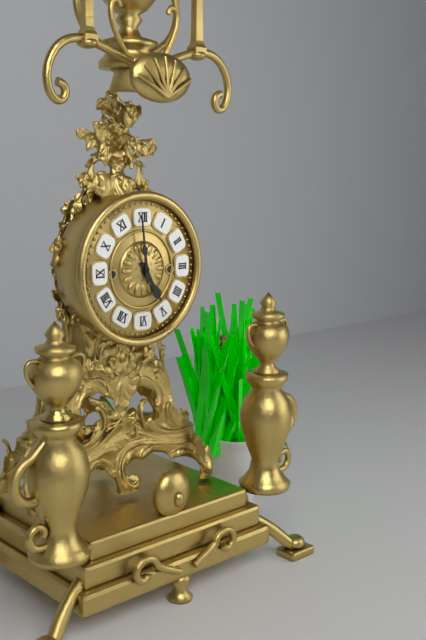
4:59
